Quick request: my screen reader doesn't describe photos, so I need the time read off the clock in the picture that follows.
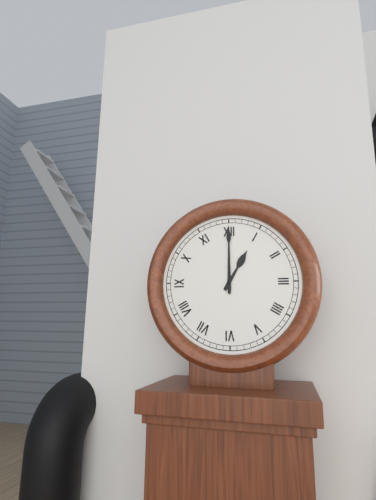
1:00
